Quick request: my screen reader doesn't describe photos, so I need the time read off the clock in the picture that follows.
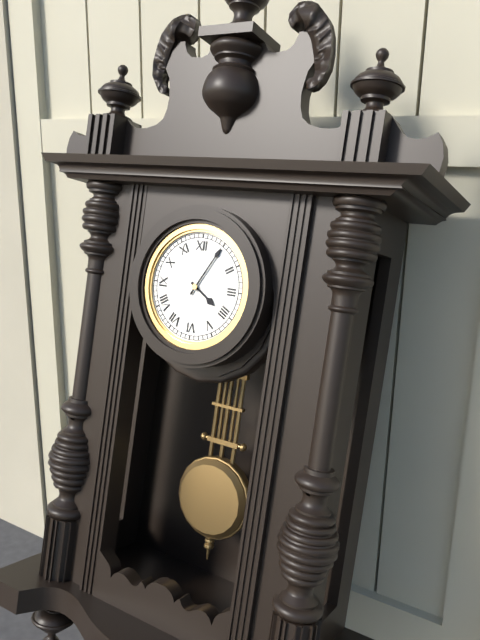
4:05
